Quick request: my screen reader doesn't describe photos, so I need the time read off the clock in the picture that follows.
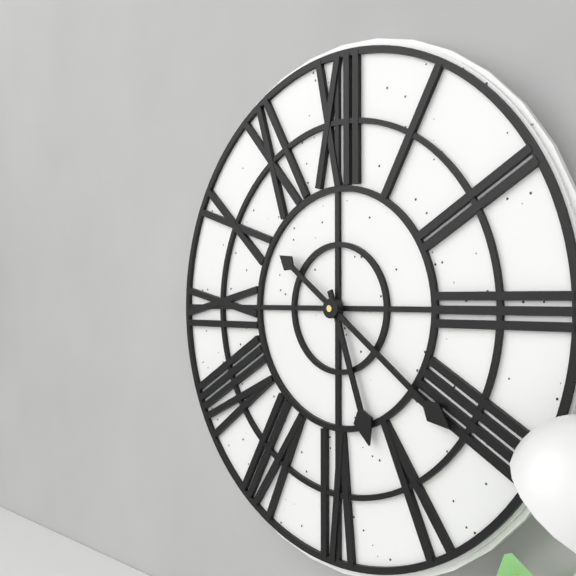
5:21
